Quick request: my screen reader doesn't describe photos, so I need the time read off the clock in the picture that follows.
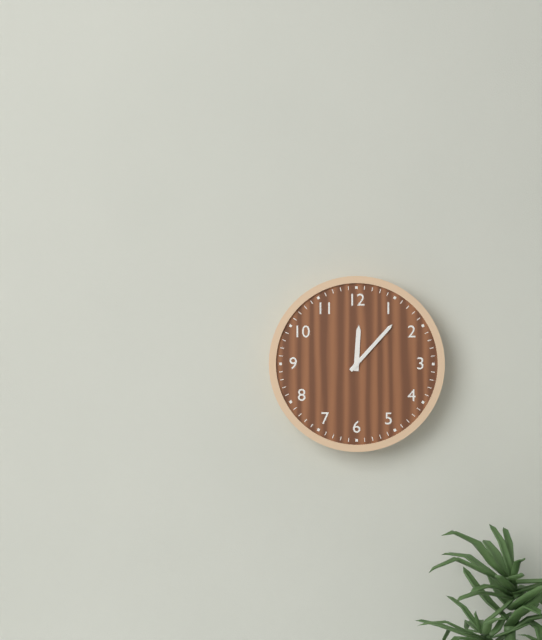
12:07
